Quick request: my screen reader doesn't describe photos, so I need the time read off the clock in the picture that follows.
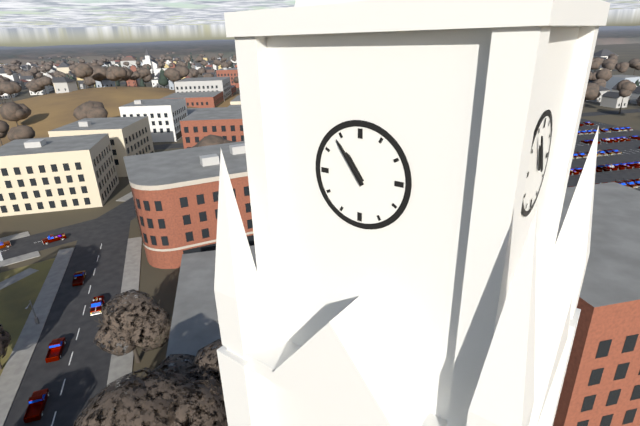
10:54
